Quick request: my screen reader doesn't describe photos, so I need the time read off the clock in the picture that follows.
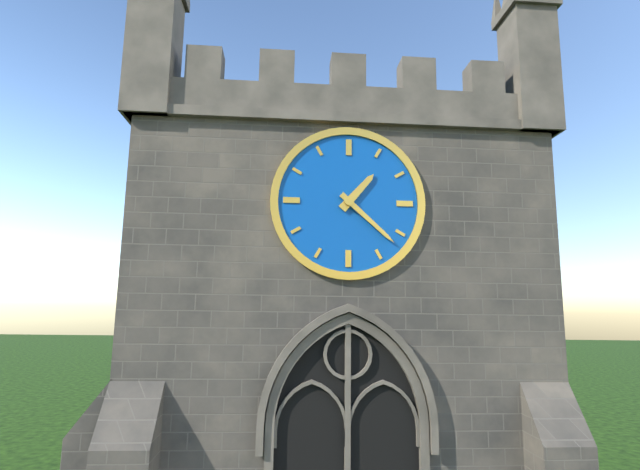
1:22
